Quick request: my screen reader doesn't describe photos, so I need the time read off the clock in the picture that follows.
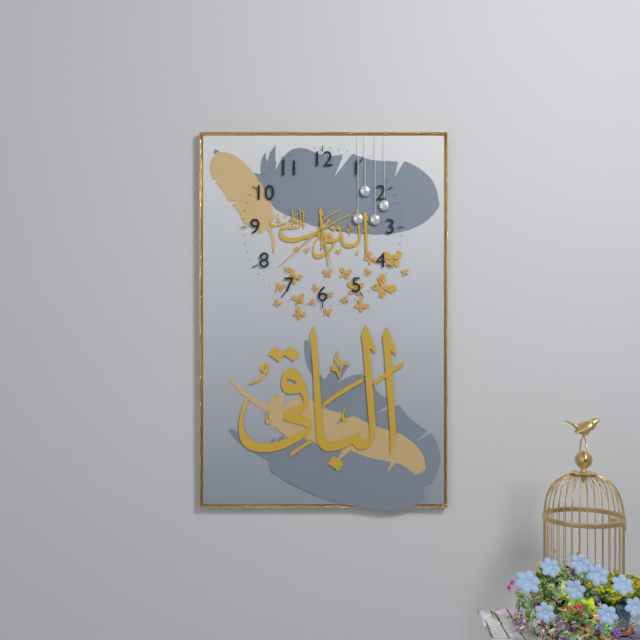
5:38
